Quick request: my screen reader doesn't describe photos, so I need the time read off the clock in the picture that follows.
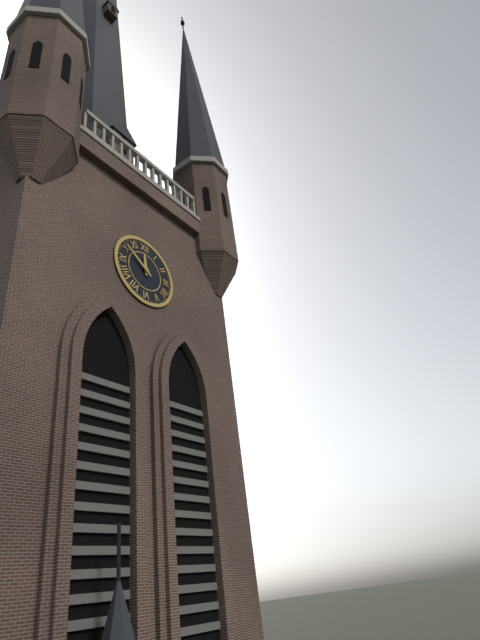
11:51
